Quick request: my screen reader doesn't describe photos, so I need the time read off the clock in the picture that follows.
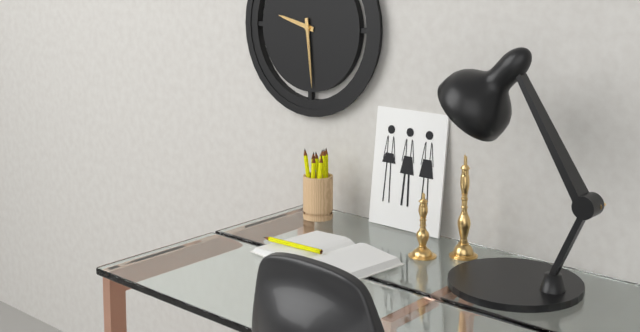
9:29
